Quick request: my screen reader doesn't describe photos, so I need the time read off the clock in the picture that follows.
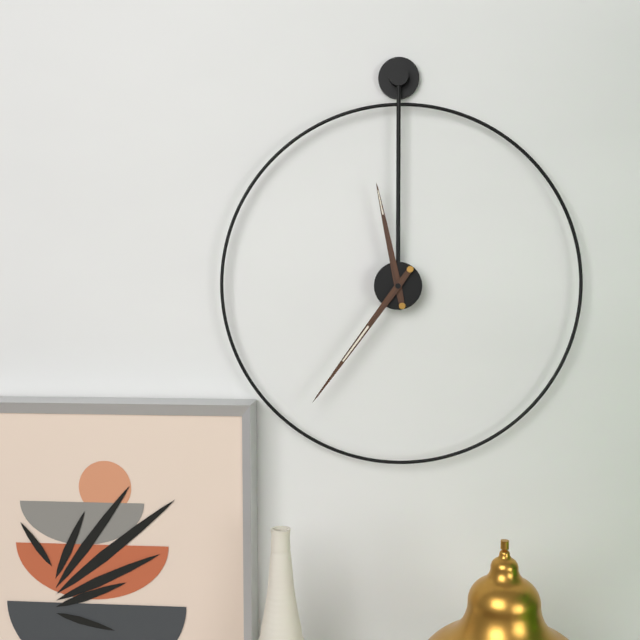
11:36
